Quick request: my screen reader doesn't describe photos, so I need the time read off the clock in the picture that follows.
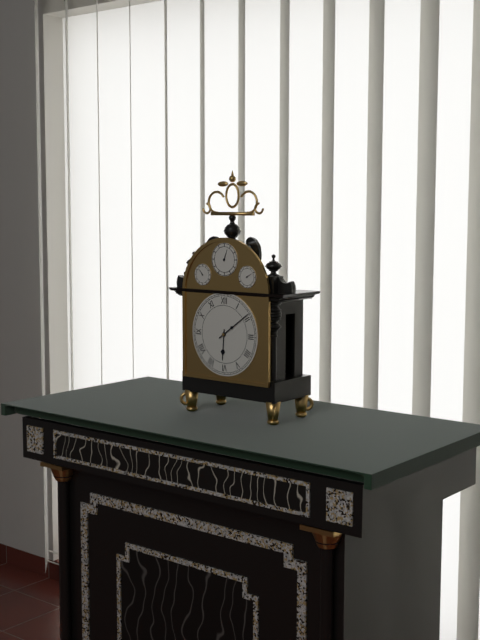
6:09
